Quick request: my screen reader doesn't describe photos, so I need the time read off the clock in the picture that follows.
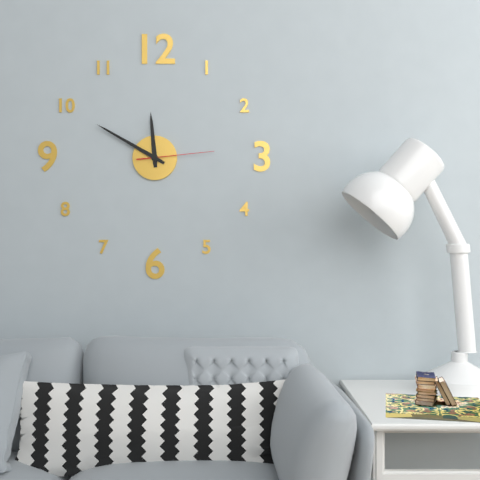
11:50:14
